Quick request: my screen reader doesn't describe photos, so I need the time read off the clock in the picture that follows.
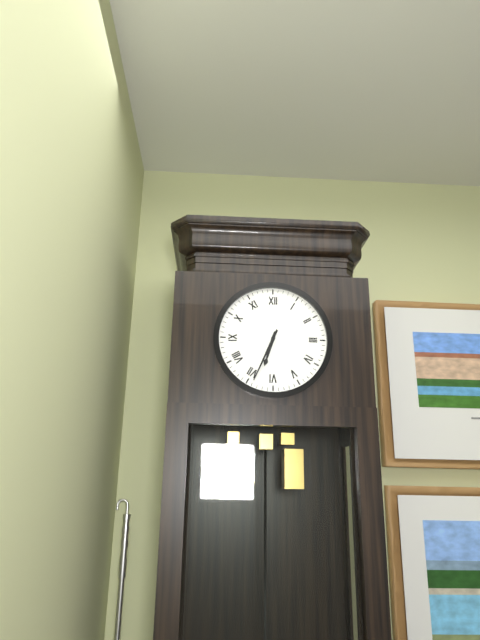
6:34
